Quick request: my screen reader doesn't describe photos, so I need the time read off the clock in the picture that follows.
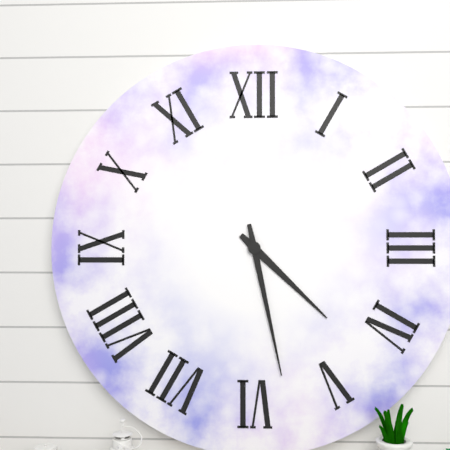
4:28
